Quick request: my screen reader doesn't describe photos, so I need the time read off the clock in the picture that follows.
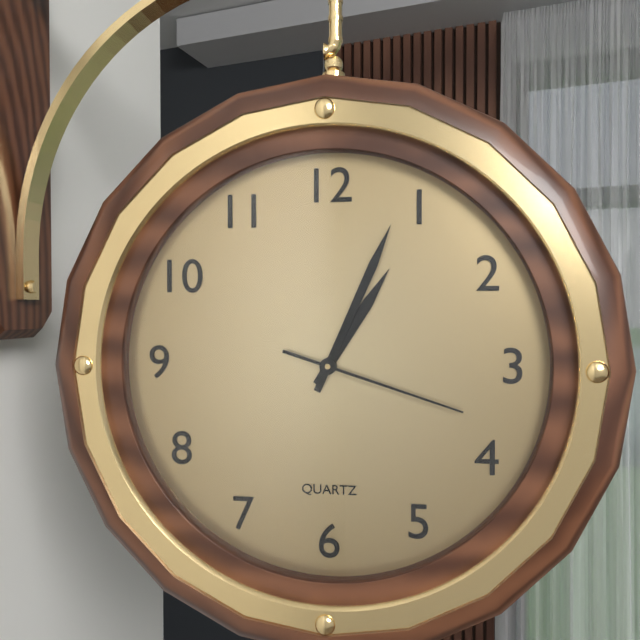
1:04:18
